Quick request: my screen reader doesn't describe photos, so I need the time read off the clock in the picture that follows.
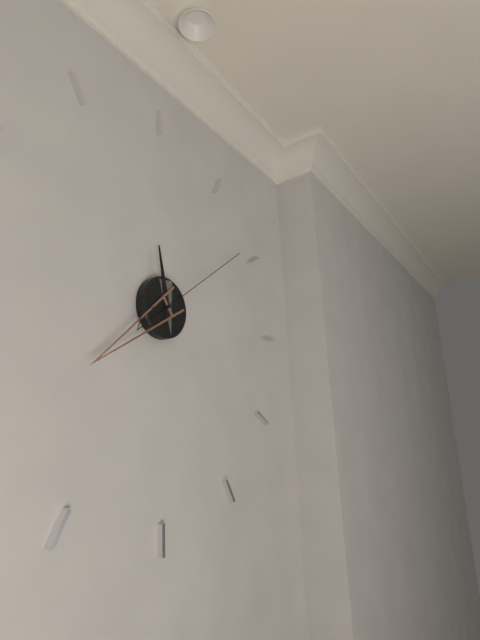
11:39:09
